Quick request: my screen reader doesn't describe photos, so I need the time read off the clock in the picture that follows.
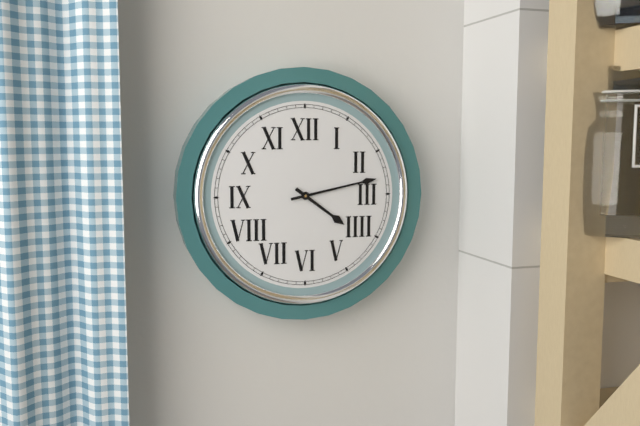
4:13
